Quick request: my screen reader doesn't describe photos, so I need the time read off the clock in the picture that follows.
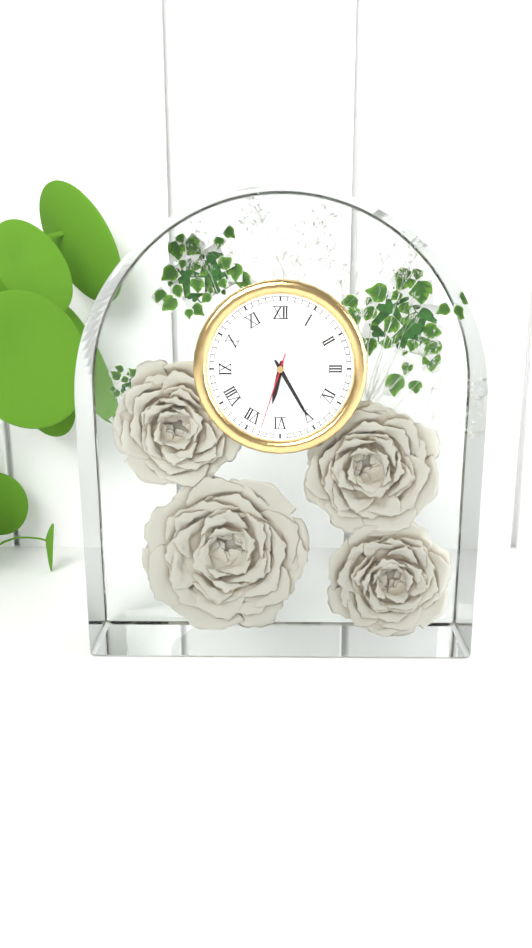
6:25:33
